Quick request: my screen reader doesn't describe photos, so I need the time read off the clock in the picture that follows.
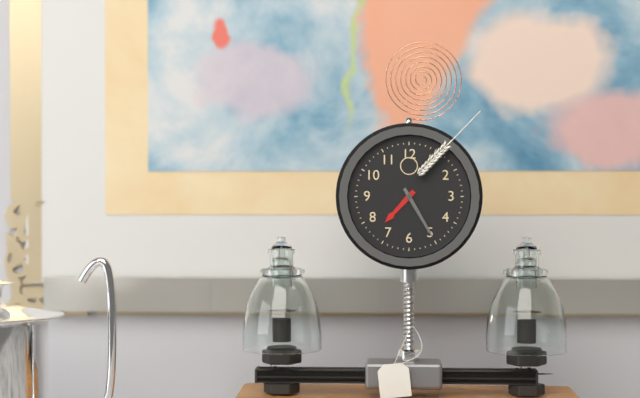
7:25
